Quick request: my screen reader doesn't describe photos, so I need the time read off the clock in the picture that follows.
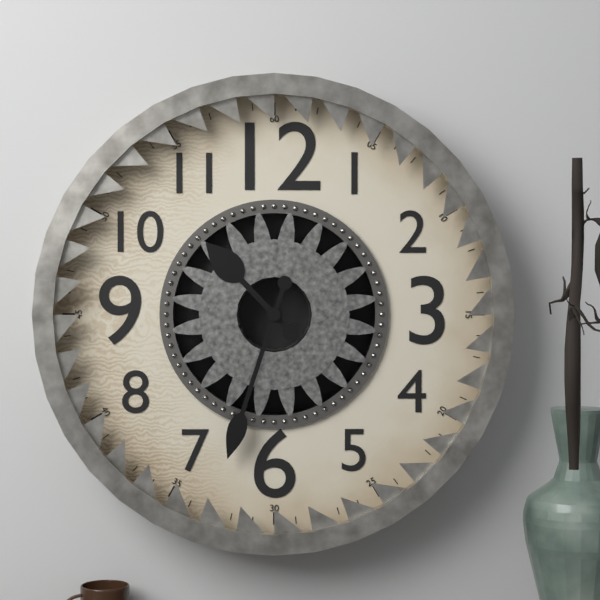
10:33
